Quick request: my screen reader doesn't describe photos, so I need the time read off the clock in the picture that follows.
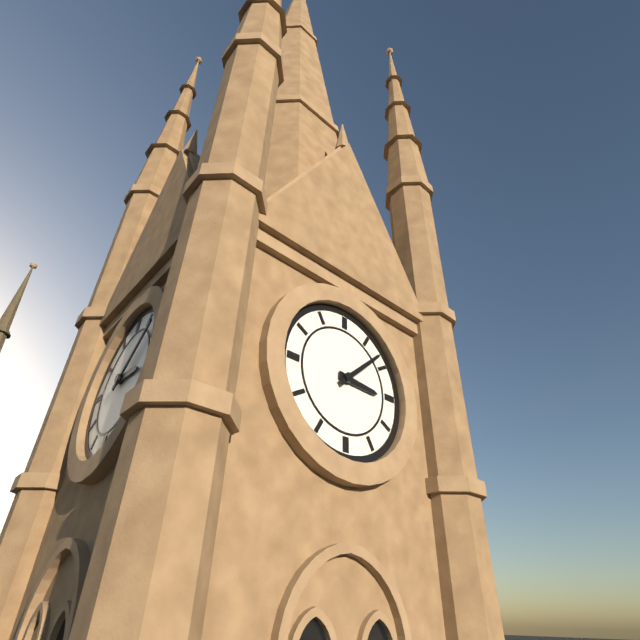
3:08
